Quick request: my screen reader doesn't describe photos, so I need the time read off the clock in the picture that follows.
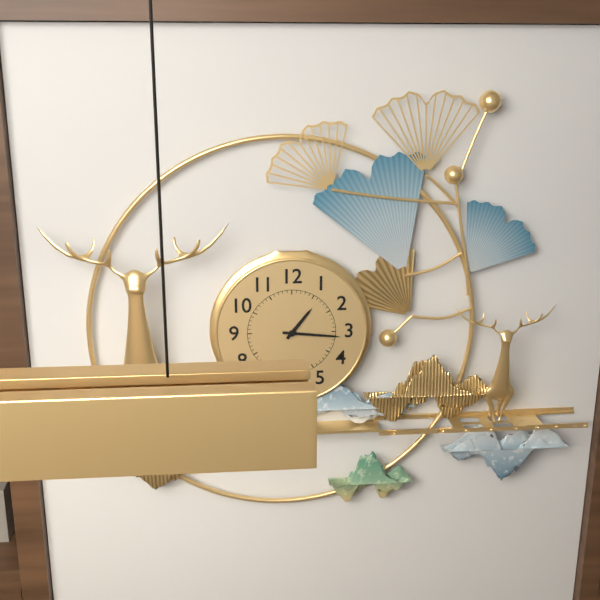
1:16
